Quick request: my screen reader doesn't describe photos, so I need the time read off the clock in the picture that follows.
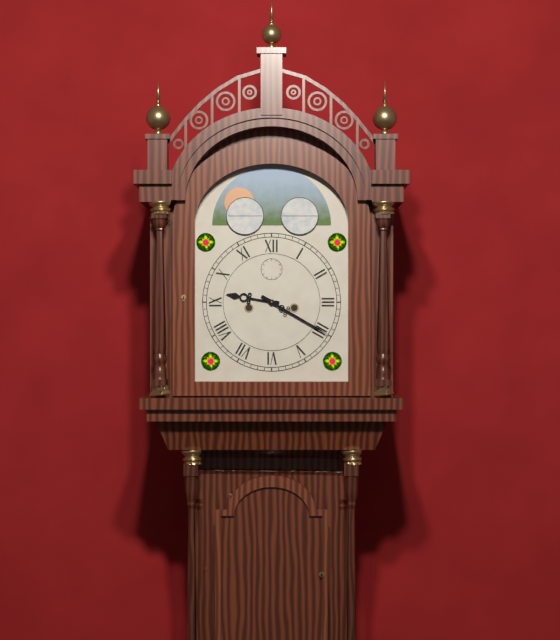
9:20
